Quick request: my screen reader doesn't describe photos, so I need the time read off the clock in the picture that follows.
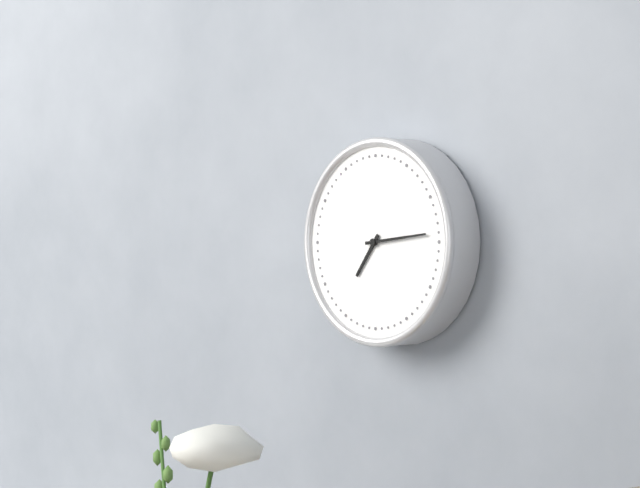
7:14
